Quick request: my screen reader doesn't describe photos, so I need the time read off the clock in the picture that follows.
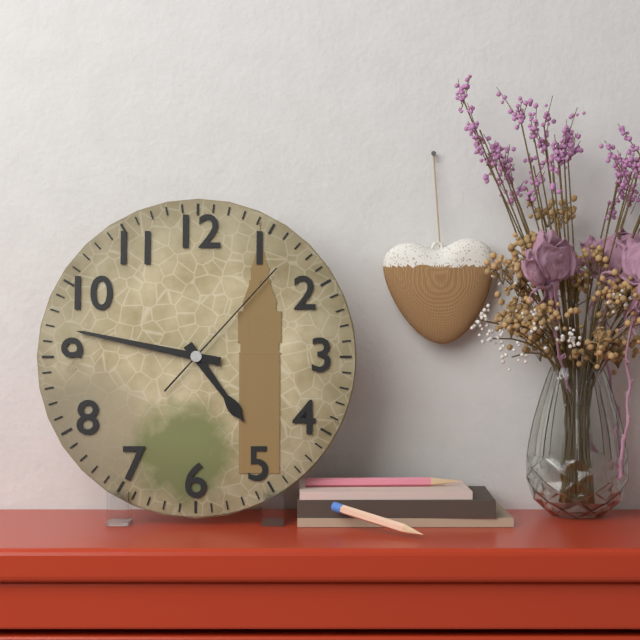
4:47:07
